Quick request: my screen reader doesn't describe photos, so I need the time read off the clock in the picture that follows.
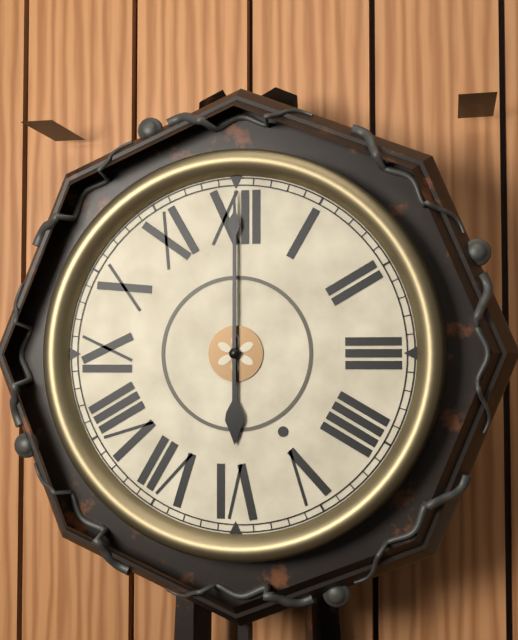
6:00
